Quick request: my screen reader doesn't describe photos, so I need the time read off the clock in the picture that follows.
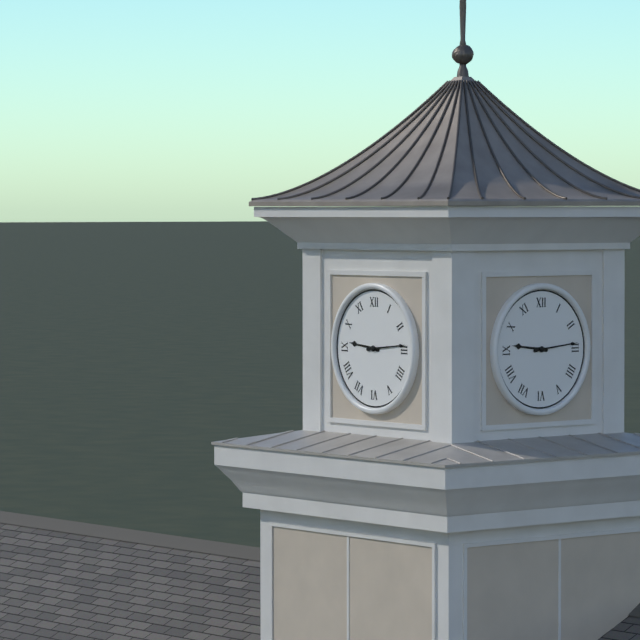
9:14
